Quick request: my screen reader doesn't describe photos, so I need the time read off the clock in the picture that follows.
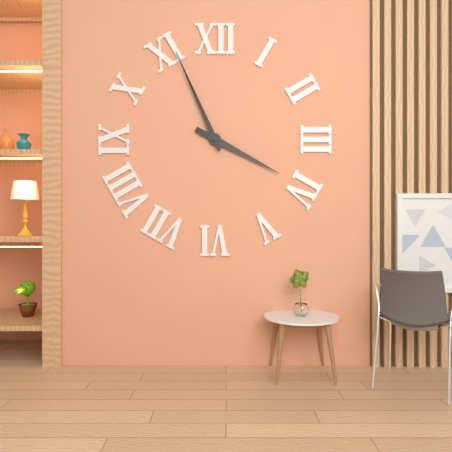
3:56
